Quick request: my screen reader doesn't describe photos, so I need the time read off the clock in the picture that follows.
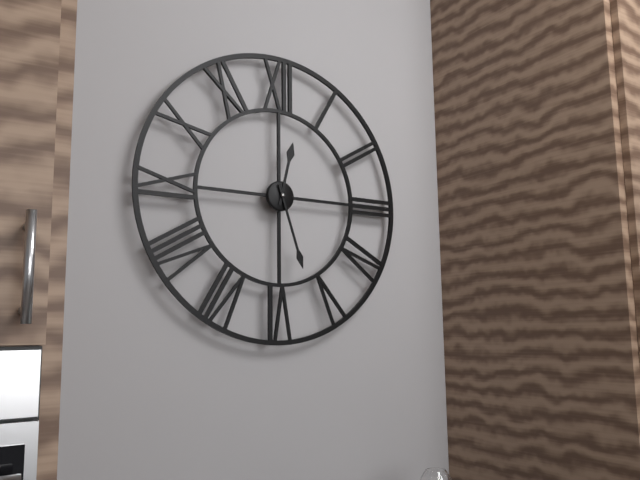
12:27
